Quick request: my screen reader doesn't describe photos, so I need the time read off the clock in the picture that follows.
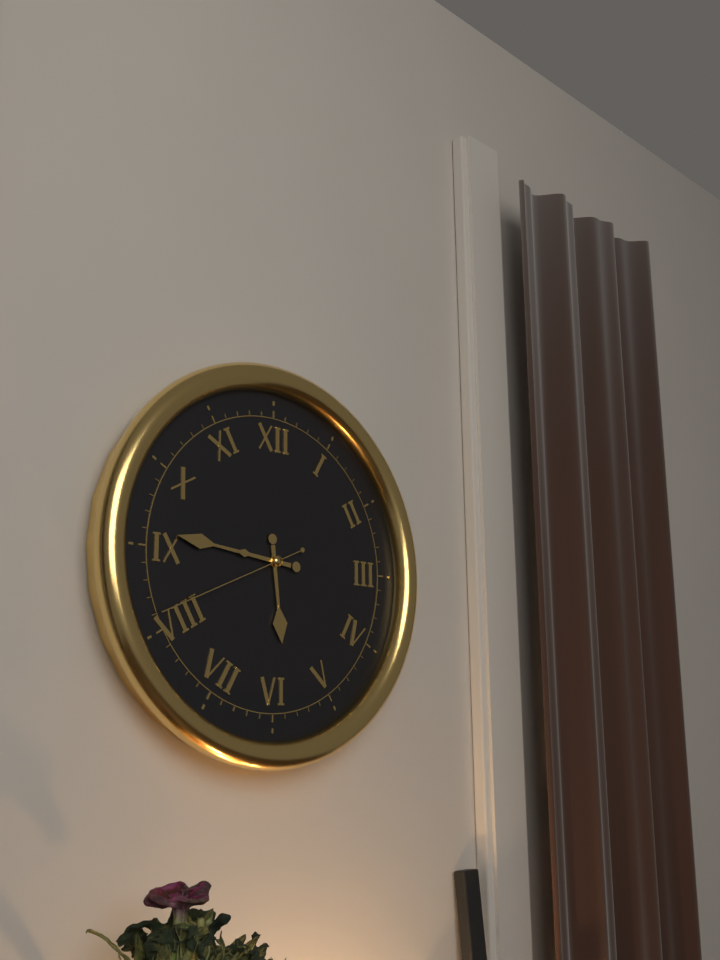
5:46:41
